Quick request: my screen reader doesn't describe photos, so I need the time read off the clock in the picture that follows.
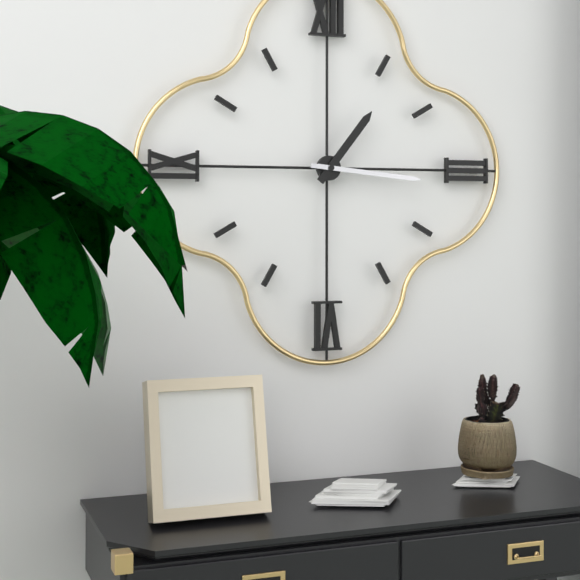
1:16
